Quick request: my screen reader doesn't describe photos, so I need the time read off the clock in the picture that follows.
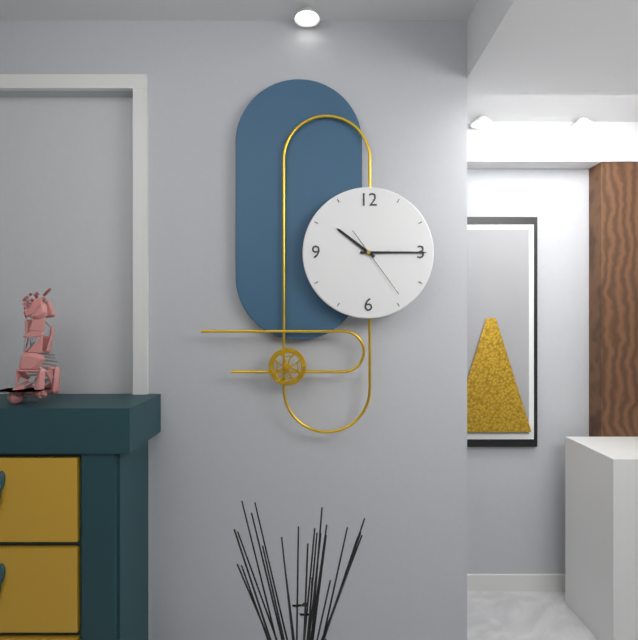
10:15:24
